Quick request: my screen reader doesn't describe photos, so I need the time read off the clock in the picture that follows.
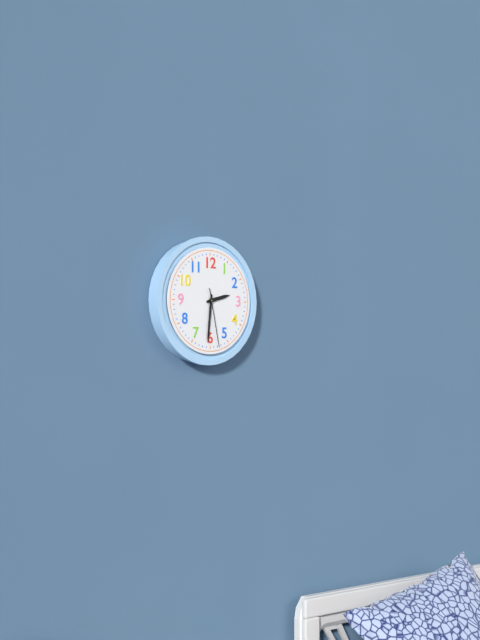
2:31:28
